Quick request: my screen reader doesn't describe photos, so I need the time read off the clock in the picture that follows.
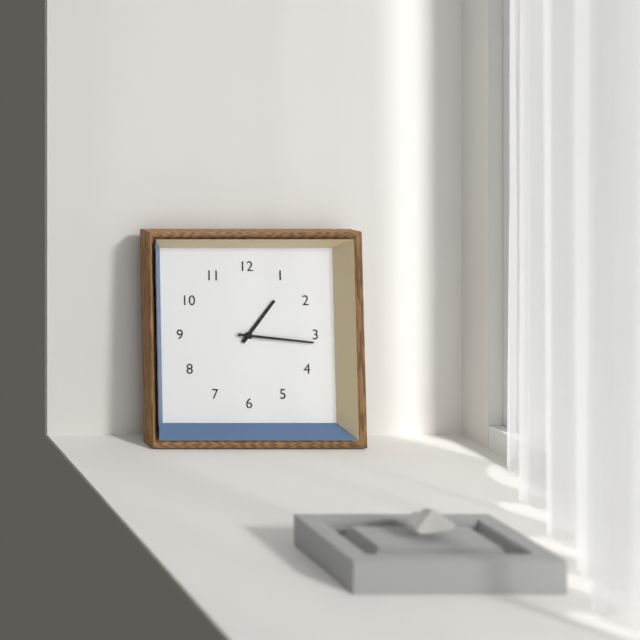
1:16
